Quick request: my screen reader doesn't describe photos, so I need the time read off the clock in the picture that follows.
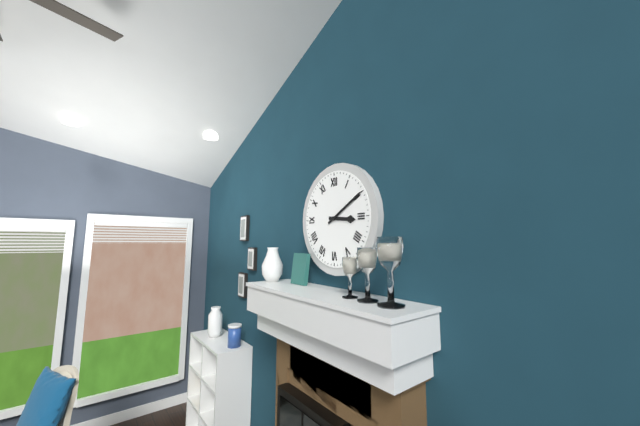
3:10
